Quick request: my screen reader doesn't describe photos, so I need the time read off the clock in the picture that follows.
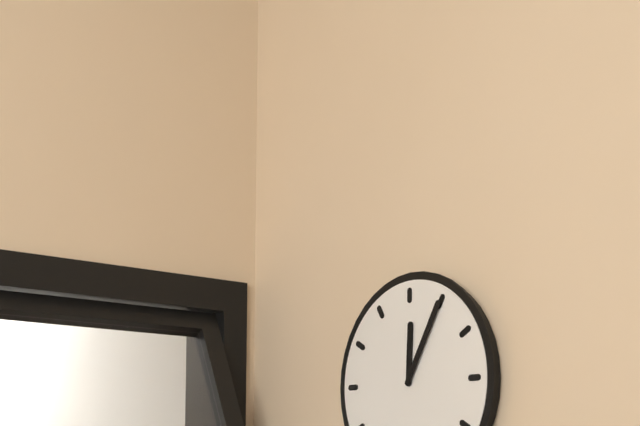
12:05
